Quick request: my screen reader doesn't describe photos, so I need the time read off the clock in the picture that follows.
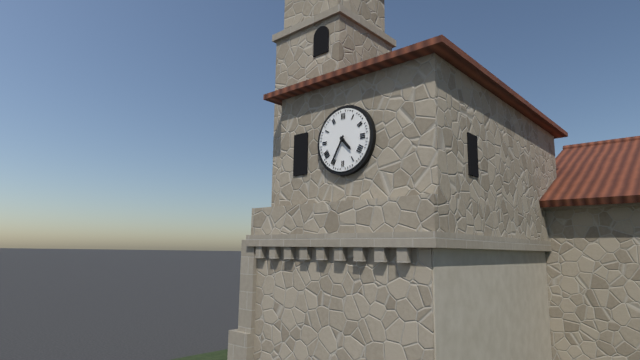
4:35
